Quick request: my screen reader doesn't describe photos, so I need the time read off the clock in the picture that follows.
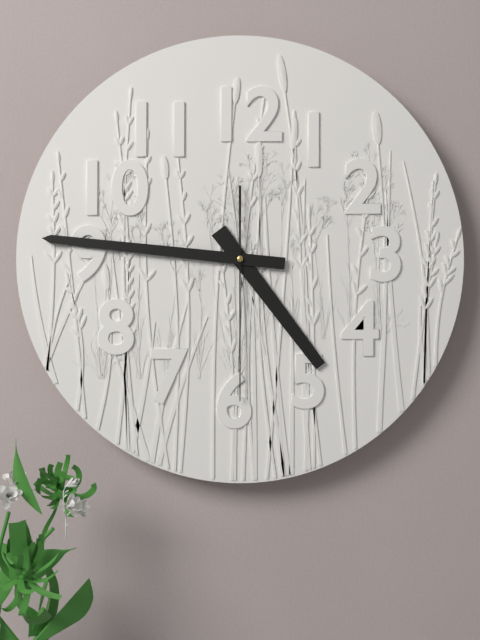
4:46:30
